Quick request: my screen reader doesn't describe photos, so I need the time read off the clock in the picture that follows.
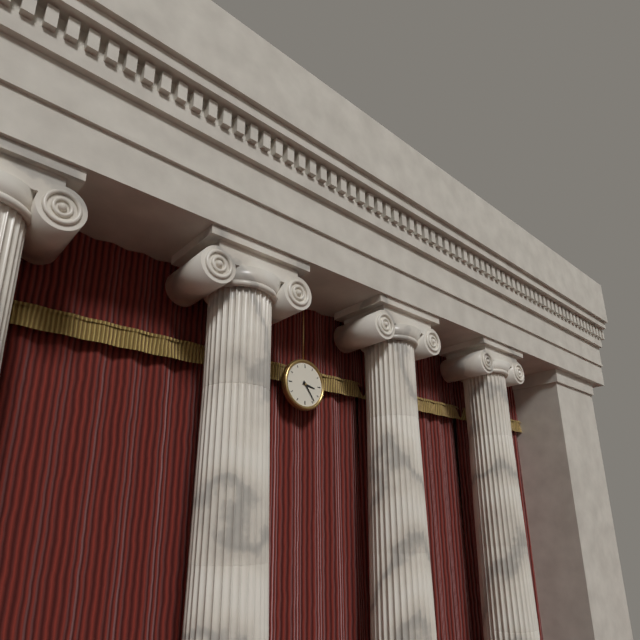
3:24
